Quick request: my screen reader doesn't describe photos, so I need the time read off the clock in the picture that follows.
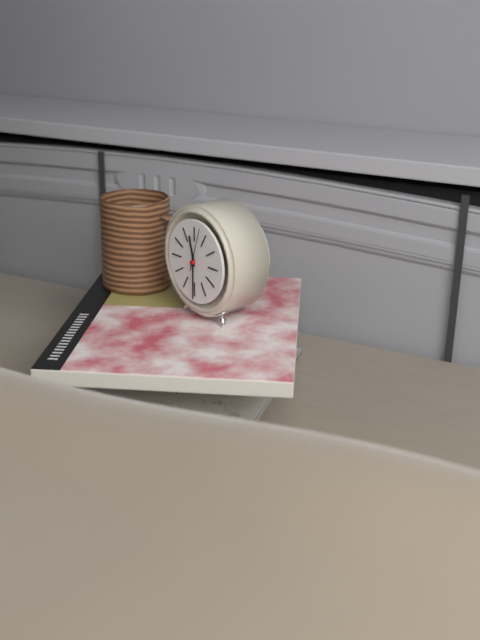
11:30
